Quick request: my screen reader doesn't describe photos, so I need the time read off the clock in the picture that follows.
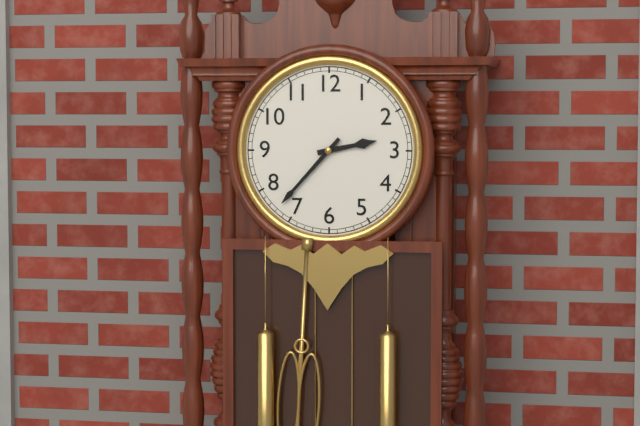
2:37
